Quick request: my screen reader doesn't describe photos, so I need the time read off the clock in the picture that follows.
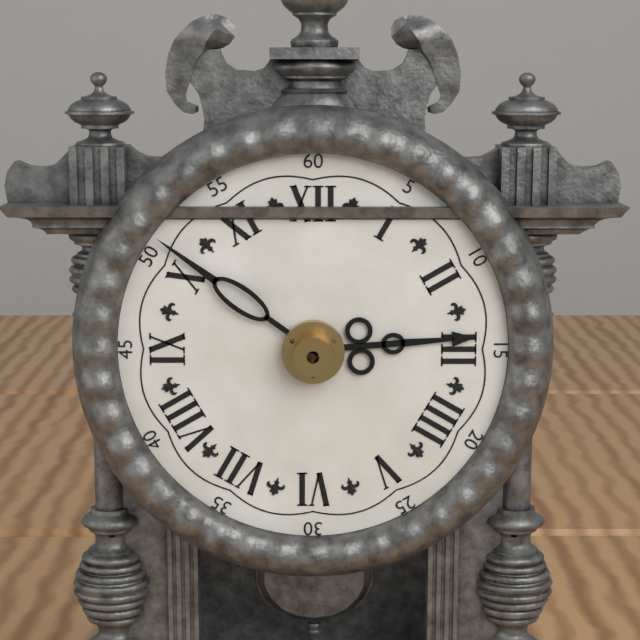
2:51
